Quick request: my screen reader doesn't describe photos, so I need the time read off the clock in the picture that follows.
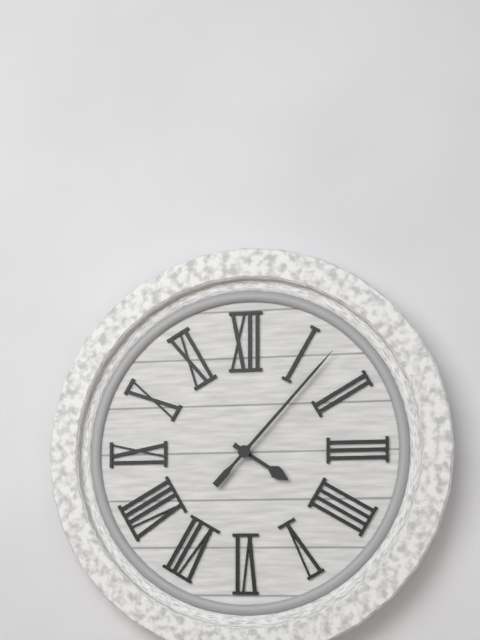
4:07
